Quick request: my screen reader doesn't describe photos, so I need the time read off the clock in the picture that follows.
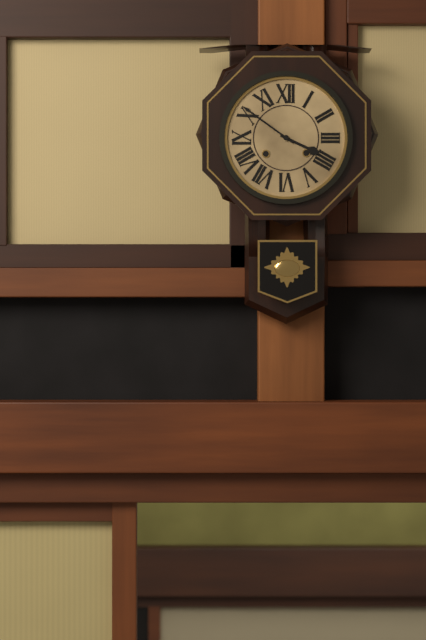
3:51
